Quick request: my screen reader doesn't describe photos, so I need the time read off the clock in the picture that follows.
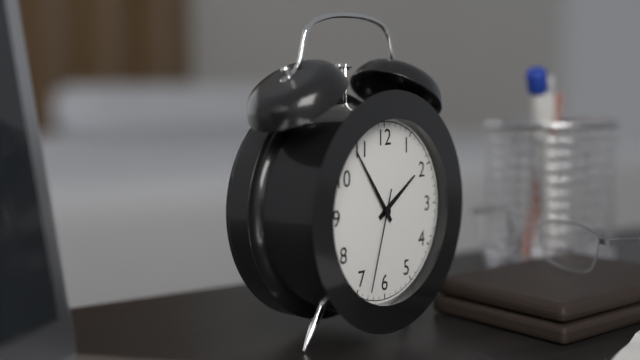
1:54:33
